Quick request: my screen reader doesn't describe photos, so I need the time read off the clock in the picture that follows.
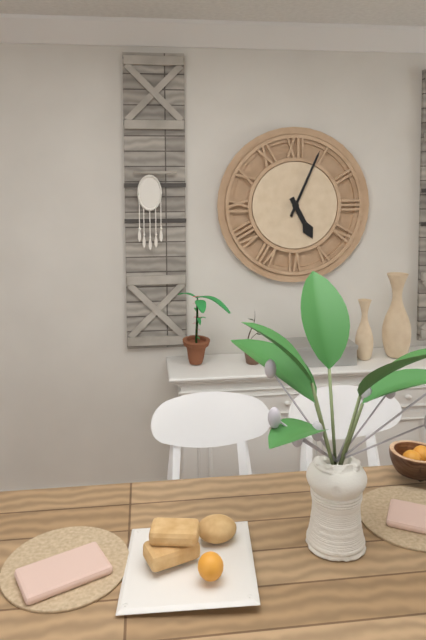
5:04
